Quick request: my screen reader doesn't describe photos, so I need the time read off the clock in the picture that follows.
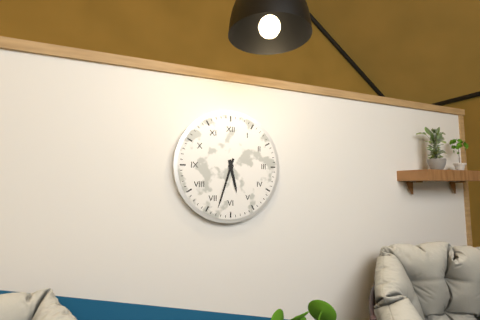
5:33
